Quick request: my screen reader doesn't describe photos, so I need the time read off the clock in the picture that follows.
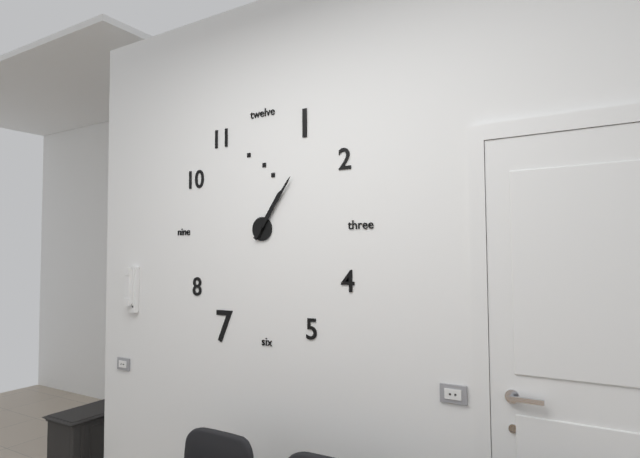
1:06
